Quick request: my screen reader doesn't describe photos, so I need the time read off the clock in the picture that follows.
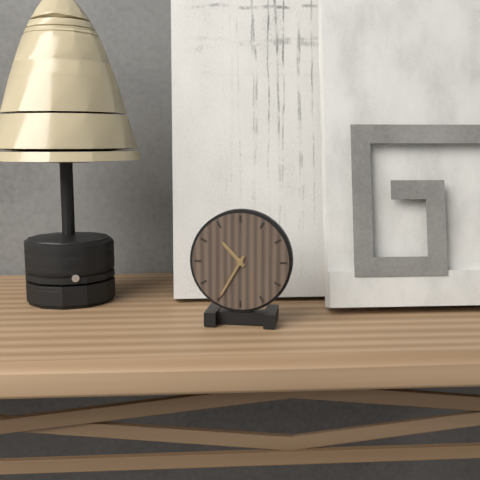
10:35
